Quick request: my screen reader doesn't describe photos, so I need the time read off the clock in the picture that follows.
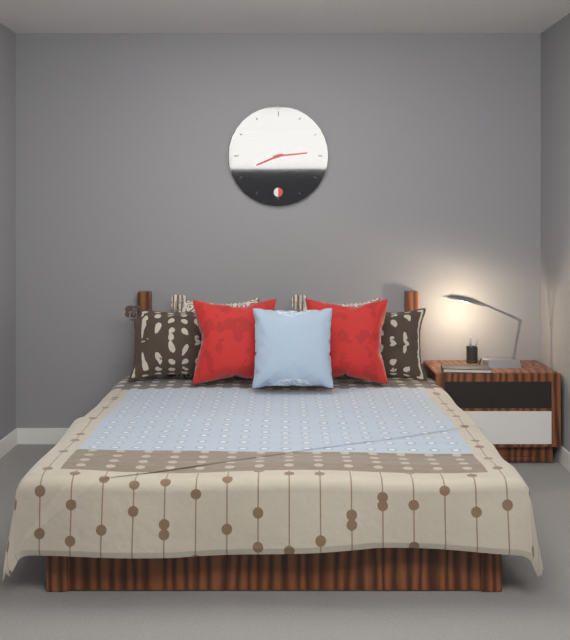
8:14
